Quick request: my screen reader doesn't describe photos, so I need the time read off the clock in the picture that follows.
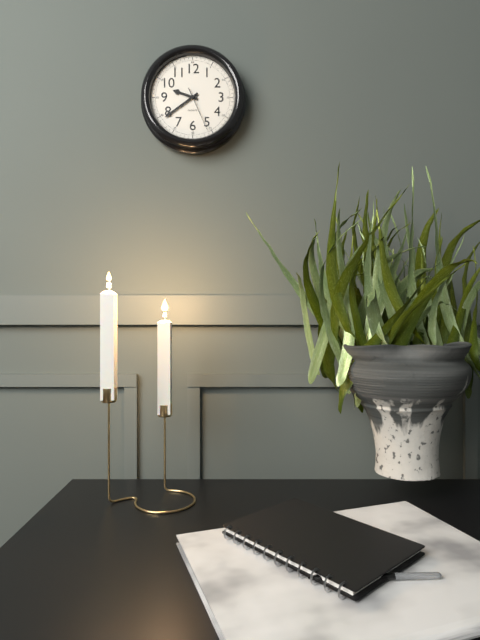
9:39
